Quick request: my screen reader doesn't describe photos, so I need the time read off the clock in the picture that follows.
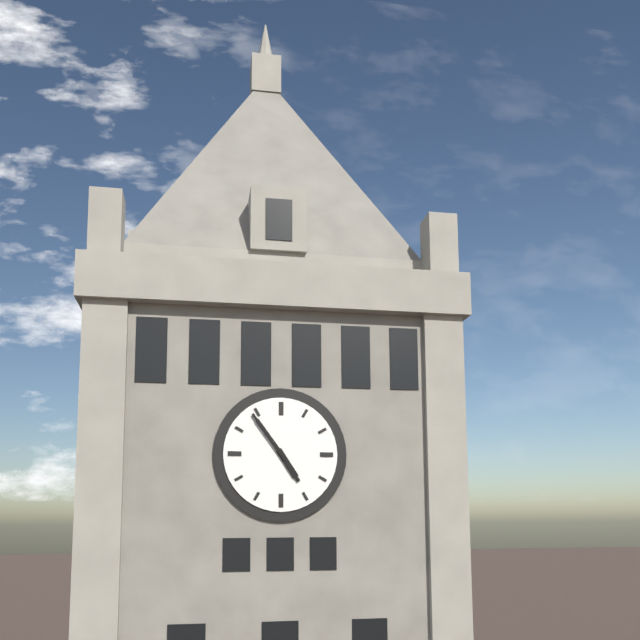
4:54
